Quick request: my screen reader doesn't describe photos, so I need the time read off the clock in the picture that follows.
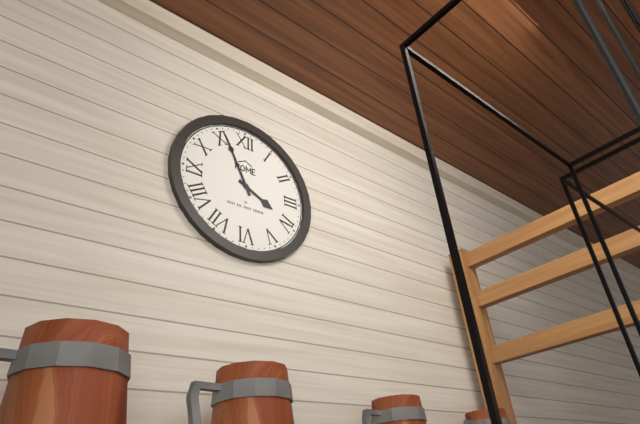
3:56
